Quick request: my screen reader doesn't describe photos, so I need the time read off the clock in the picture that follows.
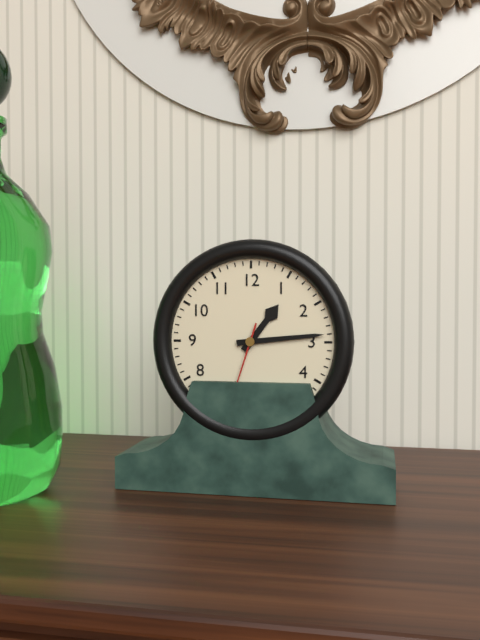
1:14
